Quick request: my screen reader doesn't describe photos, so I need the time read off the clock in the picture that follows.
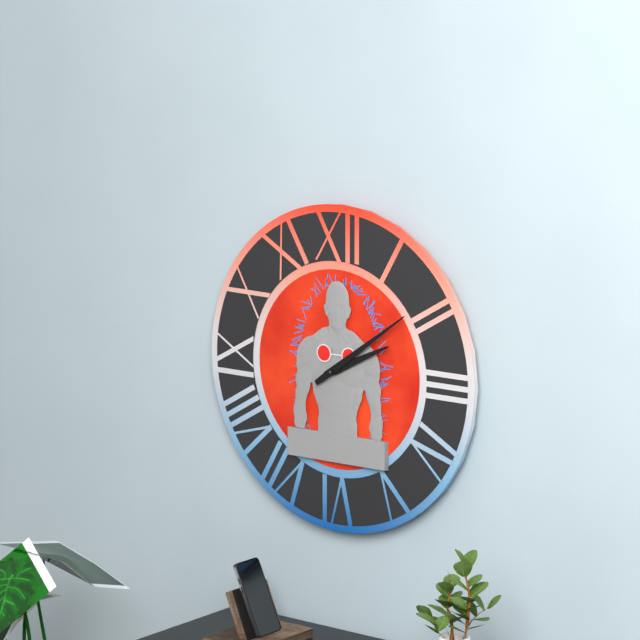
2:09
